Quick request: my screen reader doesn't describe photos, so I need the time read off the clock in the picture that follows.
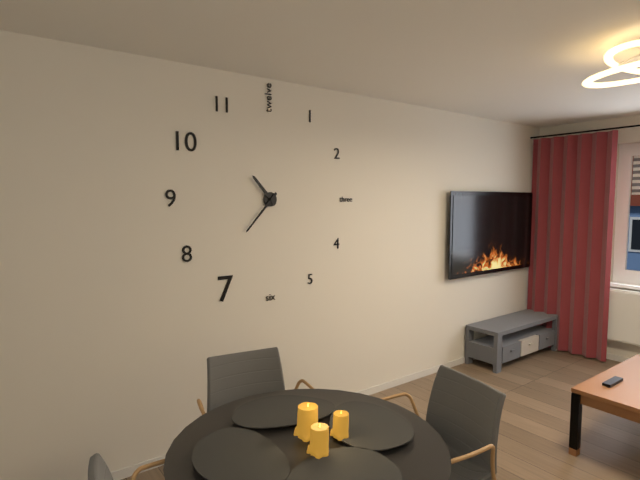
10:37
